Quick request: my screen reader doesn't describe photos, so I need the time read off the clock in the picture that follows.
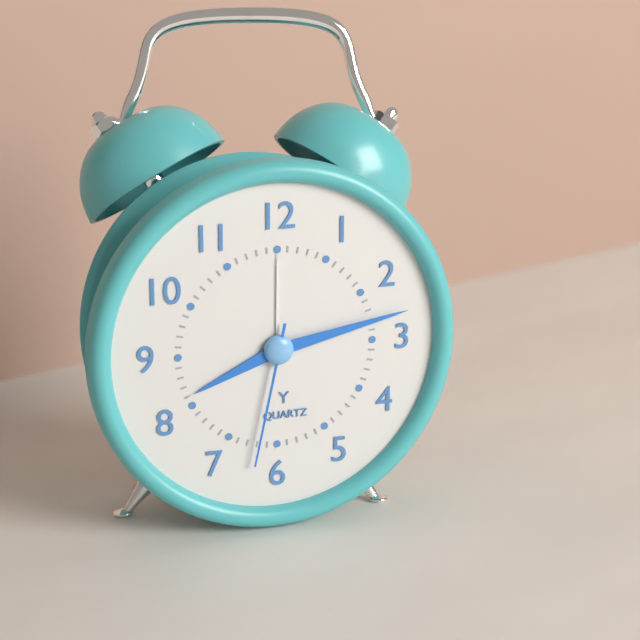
8:13:32
